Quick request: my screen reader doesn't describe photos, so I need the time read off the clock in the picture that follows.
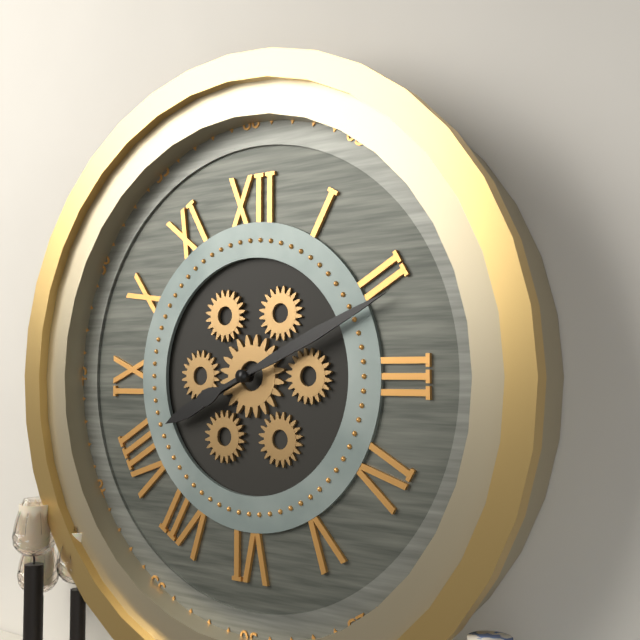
8:11
